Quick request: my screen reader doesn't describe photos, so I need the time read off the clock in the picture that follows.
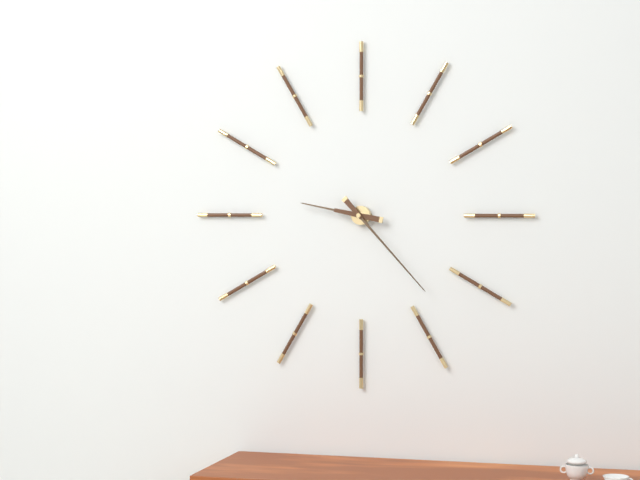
9:23
